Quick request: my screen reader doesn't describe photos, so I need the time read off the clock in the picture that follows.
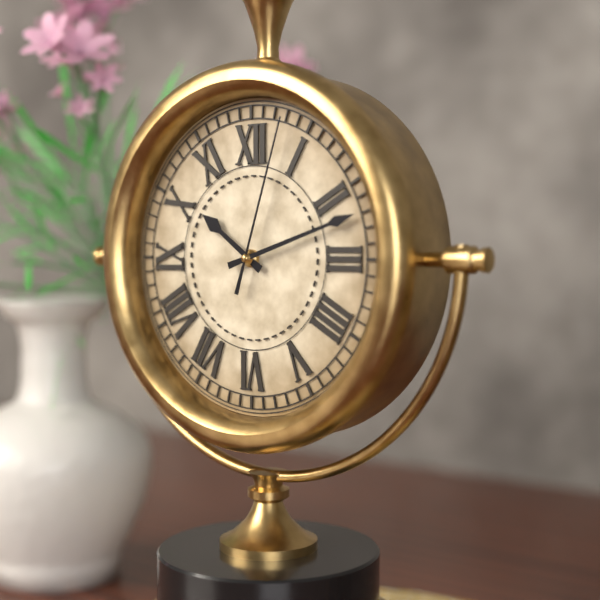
10:12:03
